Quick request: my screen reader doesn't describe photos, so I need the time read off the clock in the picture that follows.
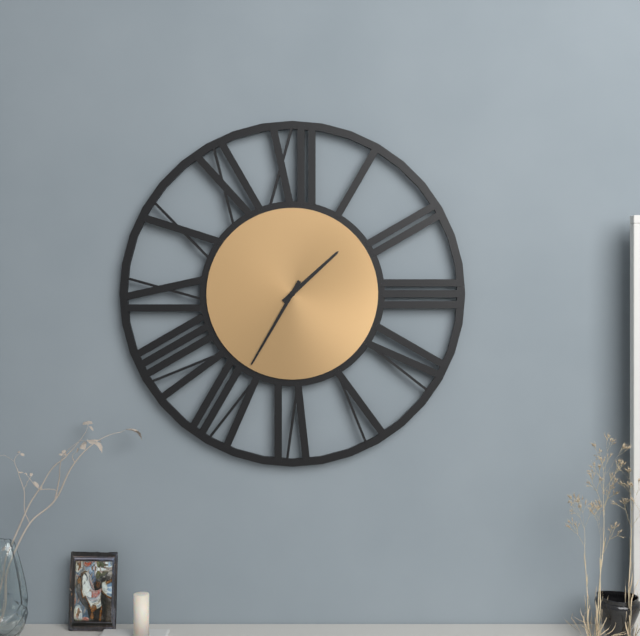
1:35
